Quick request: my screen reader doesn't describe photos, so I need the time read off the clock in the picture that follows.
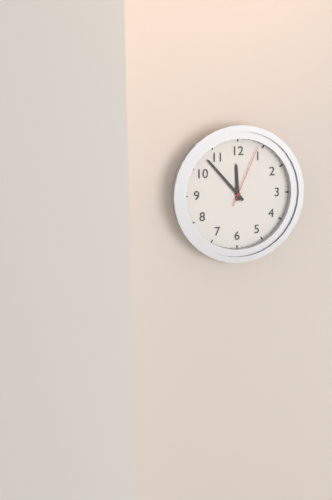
11:53:04
